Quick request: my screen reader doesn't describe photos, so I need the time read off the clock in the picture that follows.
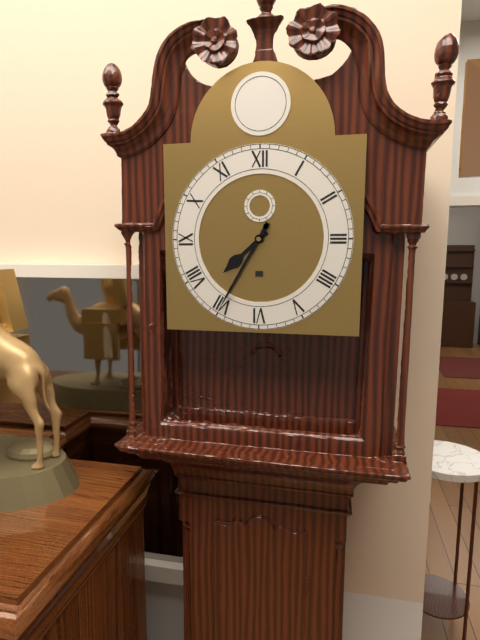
7:35
